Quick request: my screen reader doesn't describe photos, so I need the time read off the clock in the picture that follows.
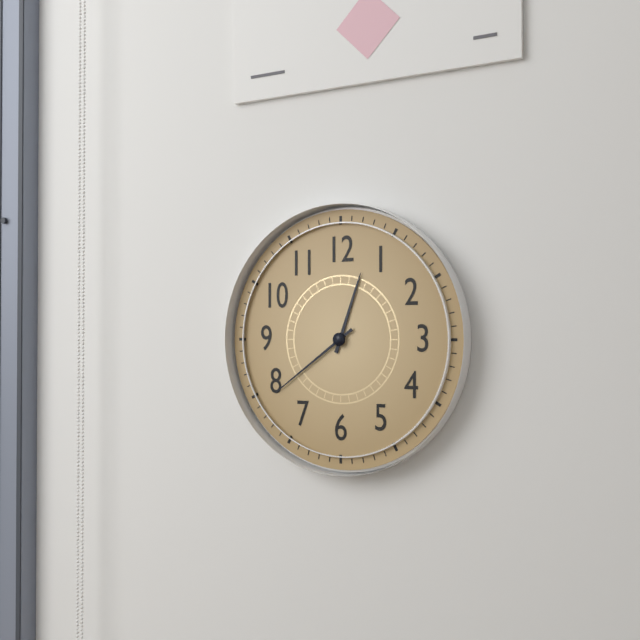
12:39
